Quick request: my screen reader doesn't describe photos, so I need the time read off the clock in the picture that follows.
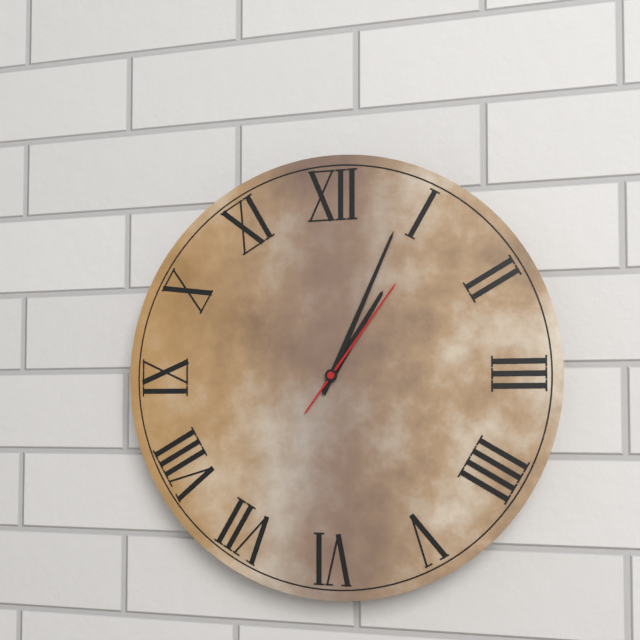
1:04:06
